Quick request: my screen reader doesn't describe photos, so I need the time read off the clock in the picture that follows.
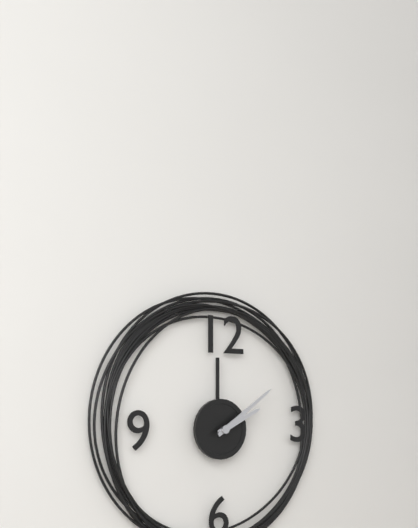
2:09
